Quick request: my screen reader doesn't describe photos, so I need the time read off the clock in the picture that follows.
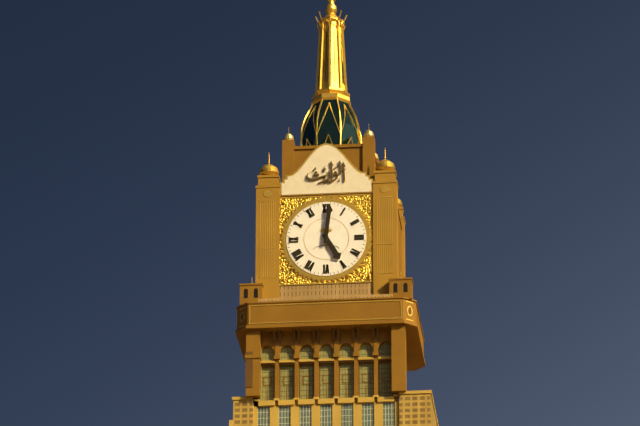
5:01
